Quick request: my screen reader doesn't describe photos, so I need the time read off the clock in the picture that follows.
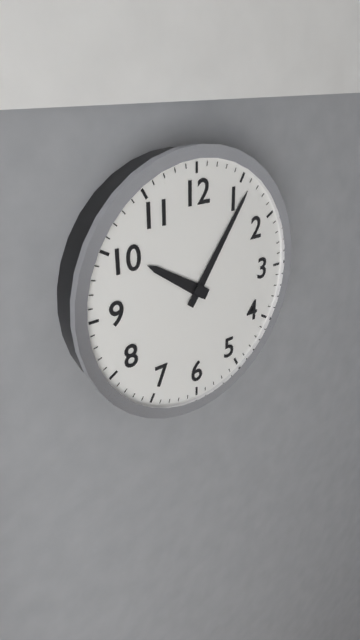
10:06
